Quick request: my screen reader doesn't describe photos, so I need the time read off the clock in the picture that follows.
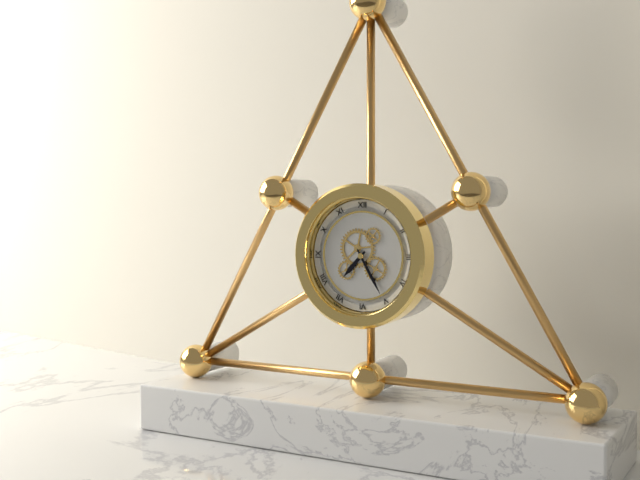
7:25
